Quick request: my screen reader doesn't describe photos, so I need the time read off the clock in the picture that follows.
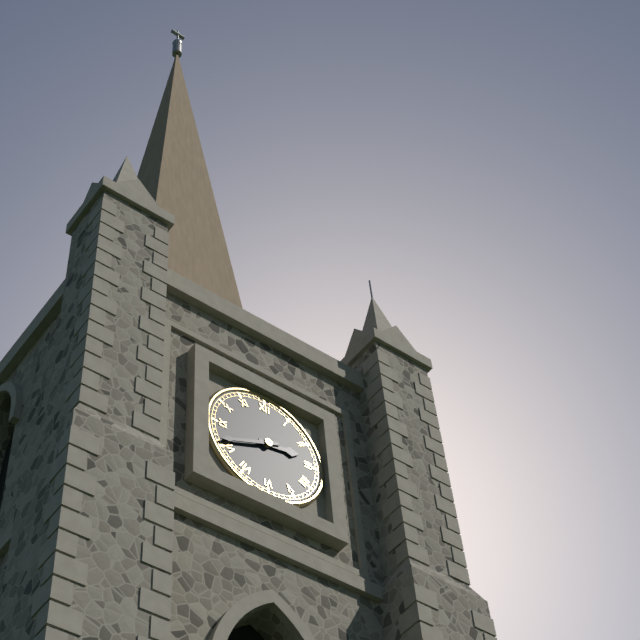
2:41
